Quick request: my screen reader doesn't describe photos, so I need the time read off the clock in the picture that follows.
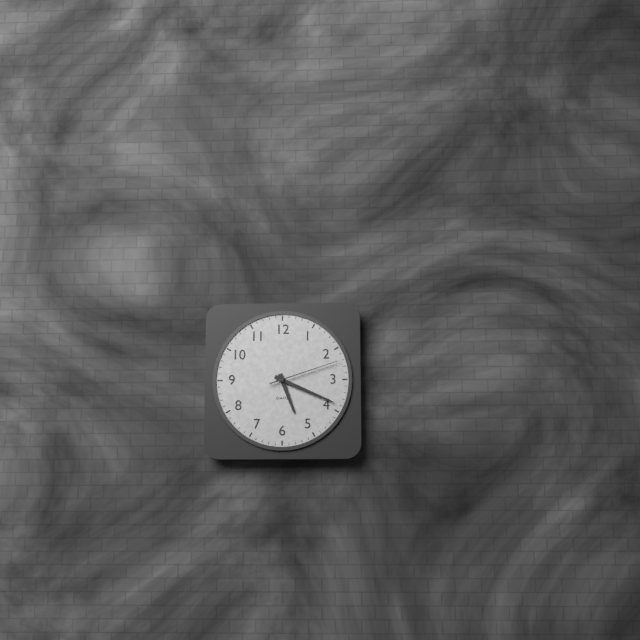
5:19:12
